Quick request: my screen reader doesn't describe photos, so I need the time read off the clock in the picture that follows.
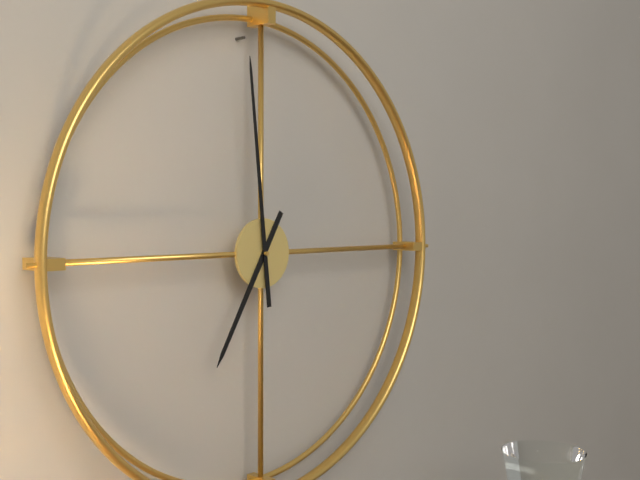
6:59
